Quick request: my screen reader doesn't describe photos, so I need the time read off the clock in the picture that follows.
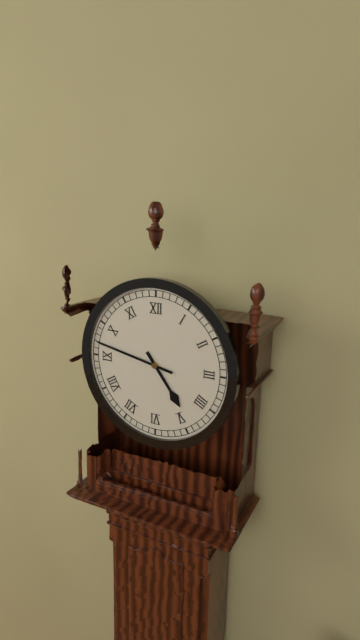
4:47
